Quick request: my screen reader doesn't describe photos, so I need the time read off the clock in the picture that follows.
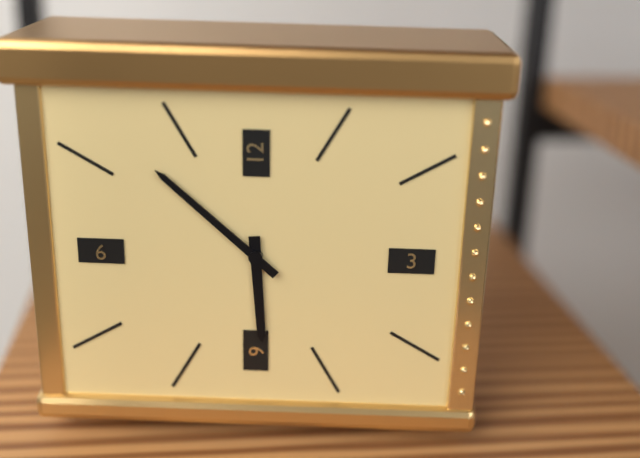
5:52
